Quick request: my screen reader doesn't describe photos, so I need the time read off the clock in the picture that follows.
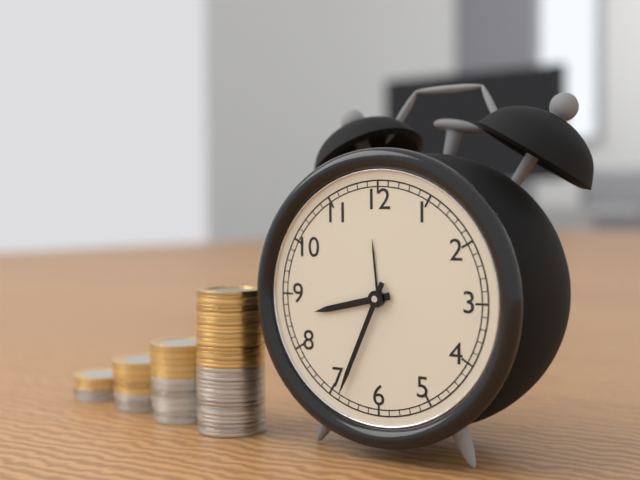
8:34
